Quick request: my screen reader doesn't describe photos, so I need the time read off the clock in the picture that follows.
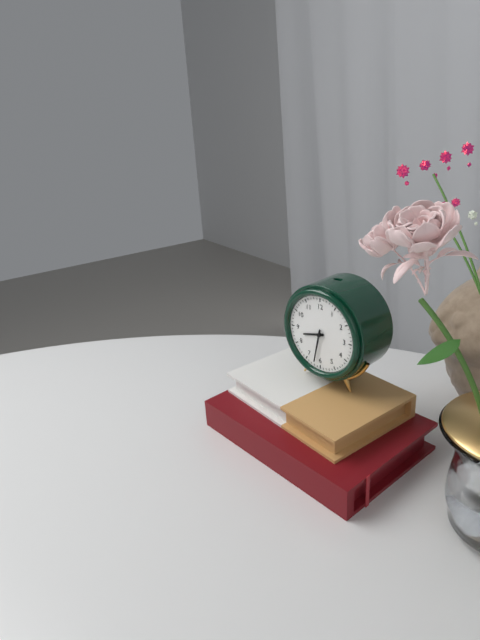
8:32
